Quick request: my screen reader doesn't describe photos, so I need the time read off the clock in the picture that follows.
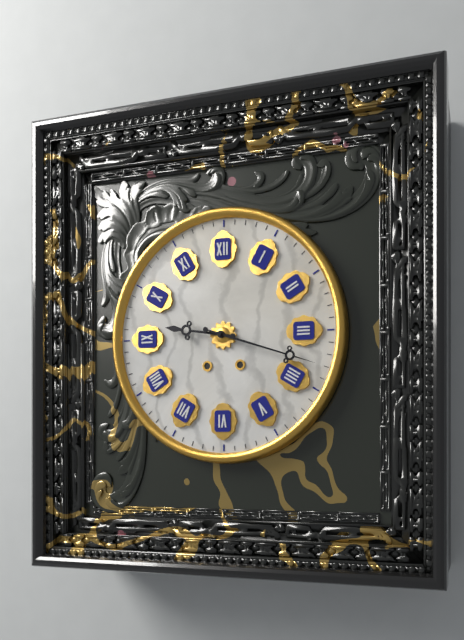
9:18
